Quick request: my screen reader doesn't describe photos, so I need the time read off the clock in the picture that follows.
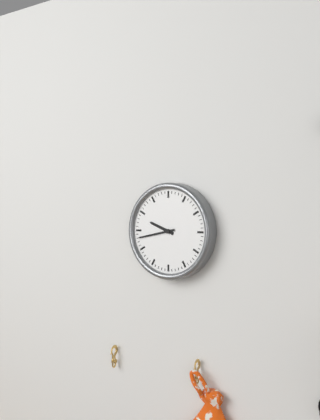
9:43
